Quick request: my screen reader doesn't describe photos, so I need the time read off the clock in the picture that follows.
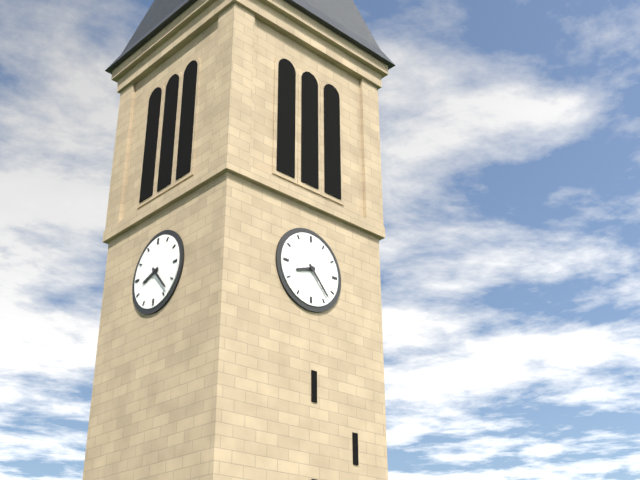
8:23
